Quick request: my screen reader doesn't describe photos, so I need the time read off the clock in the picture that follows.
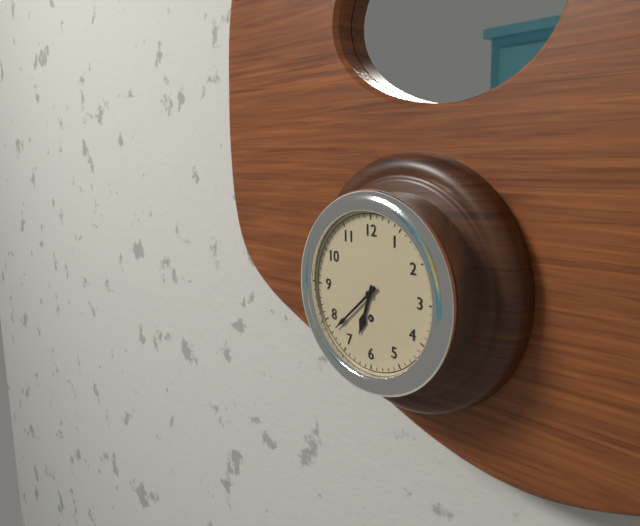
6:38
